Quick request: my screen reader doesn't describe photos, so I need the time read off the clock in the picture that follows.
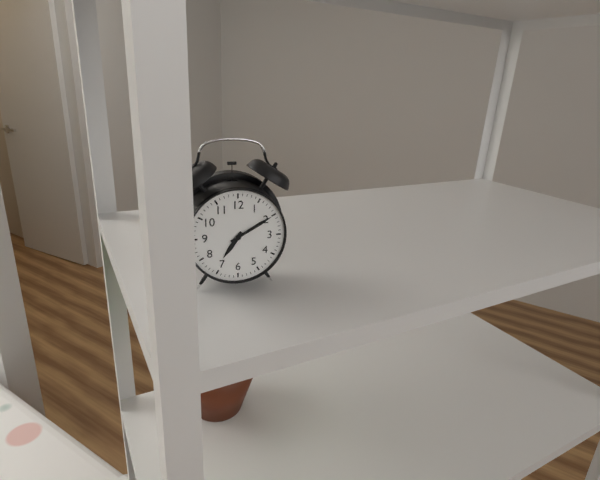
7:10
